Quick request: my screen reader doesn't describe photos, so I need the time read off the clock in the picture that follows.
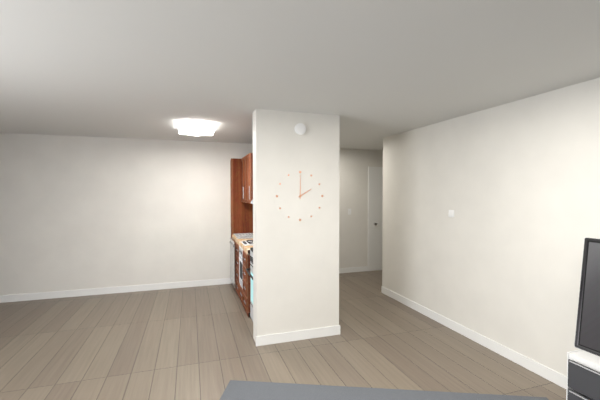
2:00
